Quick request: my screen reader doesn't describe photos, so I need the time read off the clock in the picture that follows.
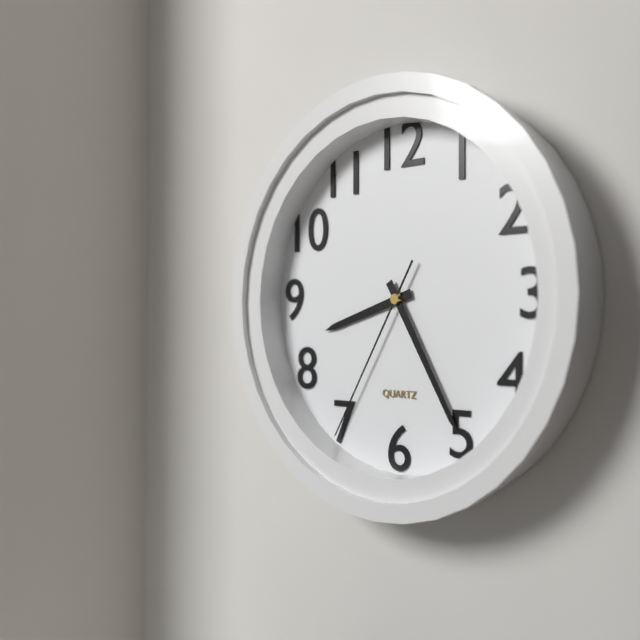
8:25:35
